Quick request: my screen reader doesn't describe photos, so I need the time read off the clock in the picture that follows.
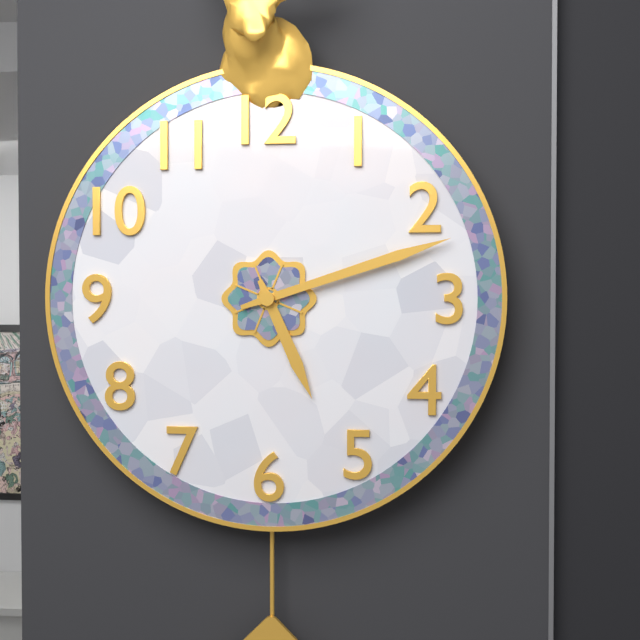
5:12
